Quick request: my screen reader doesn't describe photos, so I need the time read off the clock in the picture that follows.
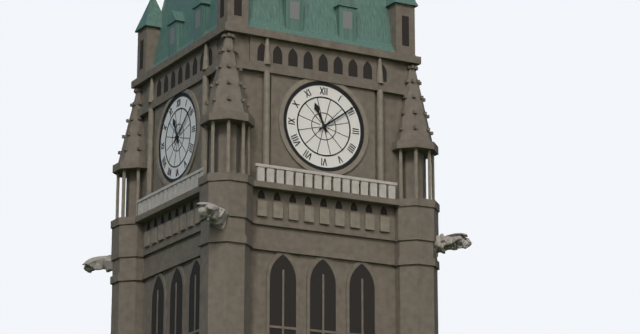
11:09
